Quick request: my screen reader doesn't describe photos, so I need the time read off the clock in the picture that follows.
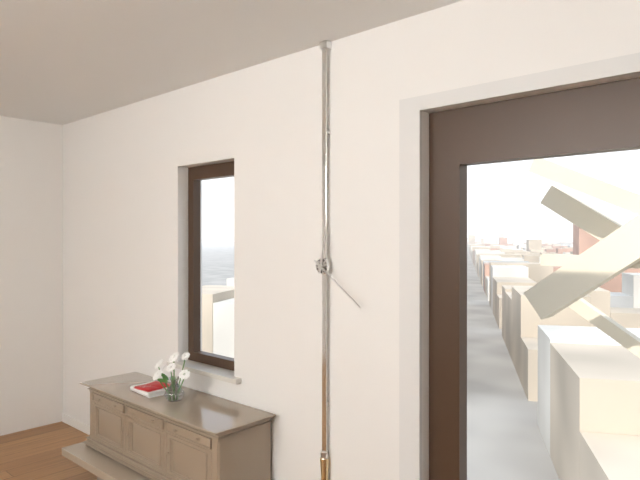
12:21
